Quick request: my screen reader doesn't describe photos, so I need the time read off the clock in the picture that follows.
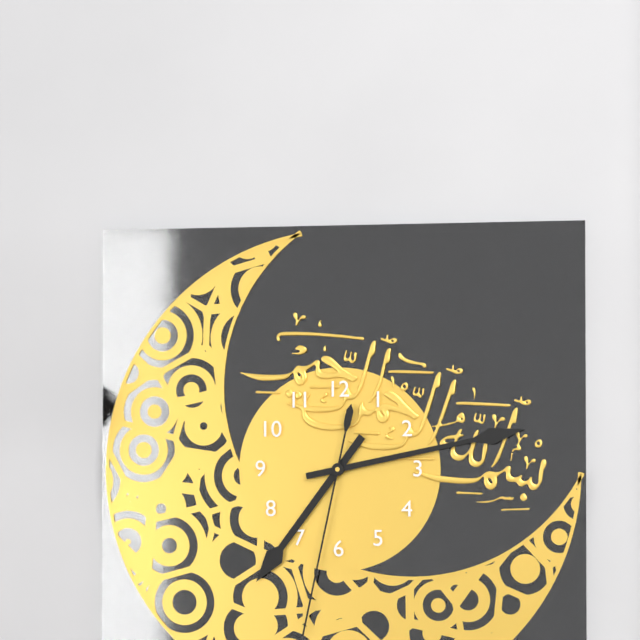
7:13:32
